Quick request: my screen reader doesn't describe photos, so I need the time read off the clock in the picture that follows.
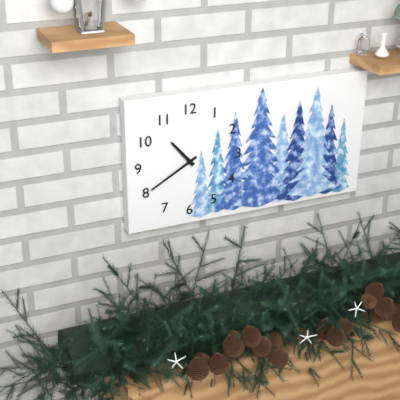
10:40
